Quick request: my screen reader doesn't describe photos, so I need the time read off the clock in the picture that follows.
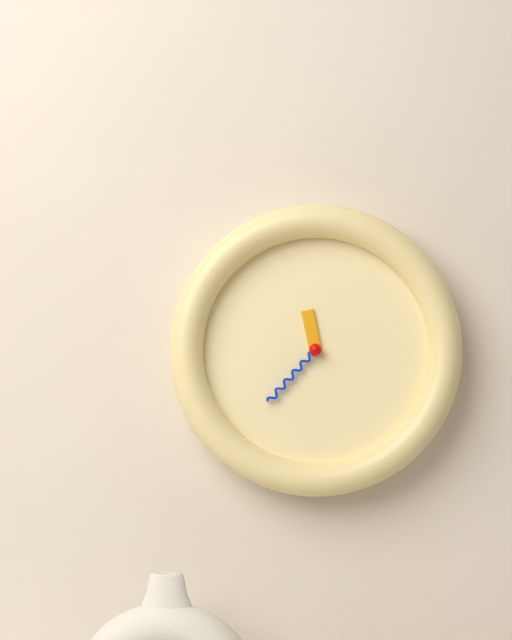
11:37
